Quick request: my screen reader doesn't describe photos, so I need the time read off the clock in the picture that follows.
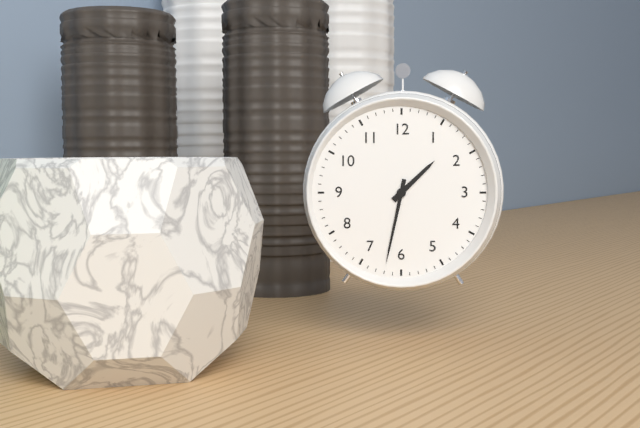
1:32
